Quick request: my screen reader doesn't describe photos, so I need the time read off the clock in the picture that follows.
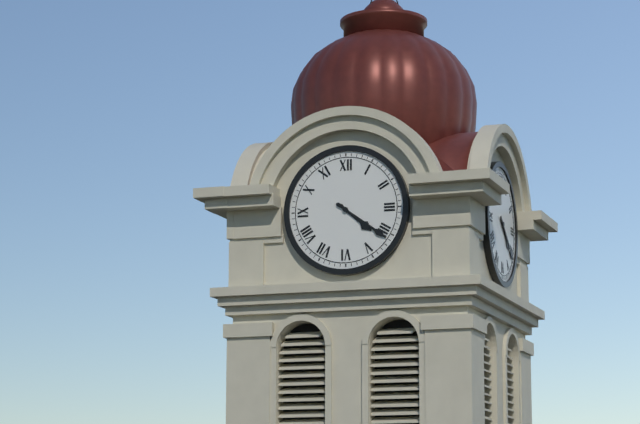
4:21
